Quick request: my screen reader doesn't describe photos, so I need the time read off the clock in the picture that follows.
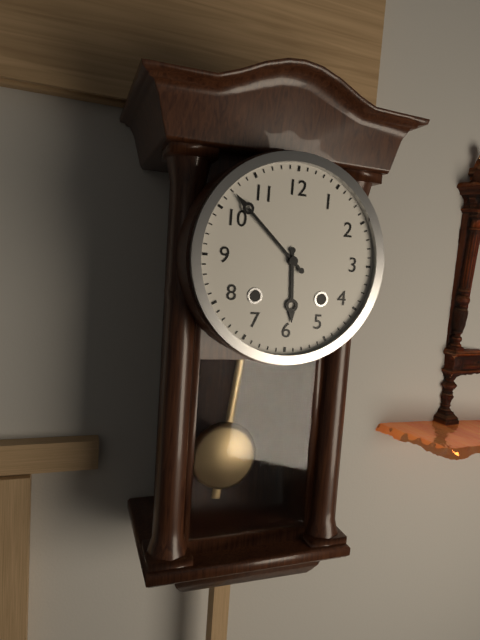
5:52
